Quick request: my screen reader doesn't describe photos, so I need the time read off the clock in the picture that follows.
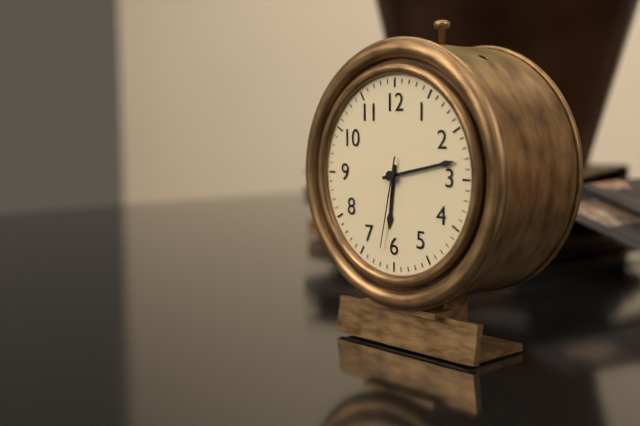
6:13:32
